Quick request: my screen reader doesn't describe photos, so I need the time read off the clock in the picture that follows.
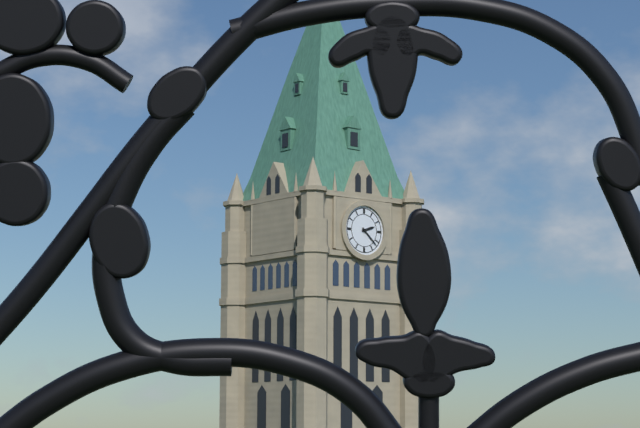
2:22
